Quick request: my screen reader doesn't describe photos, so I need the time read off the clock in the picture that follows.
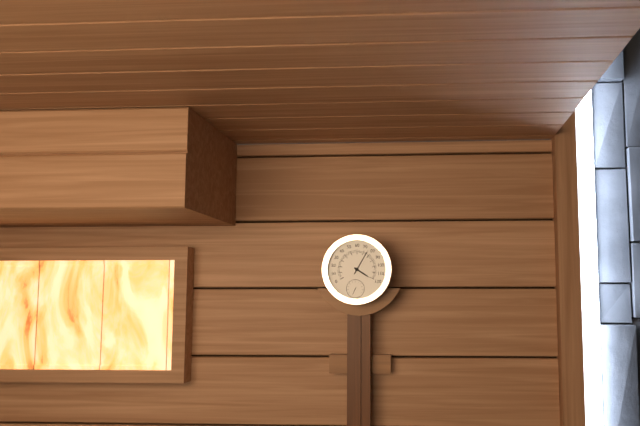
4:05
